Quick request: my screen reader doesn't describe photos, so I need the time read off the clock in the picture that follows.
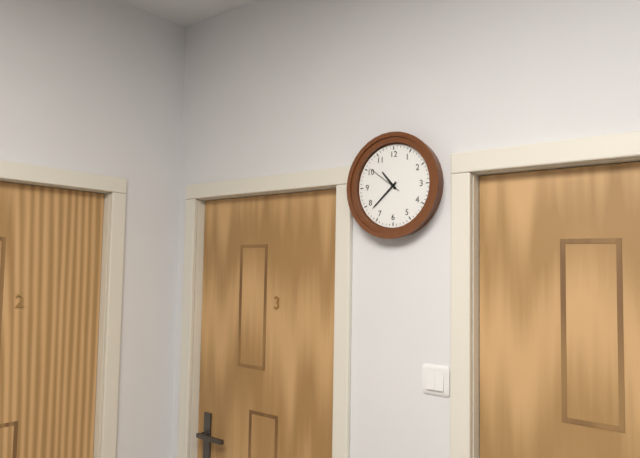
10:38
